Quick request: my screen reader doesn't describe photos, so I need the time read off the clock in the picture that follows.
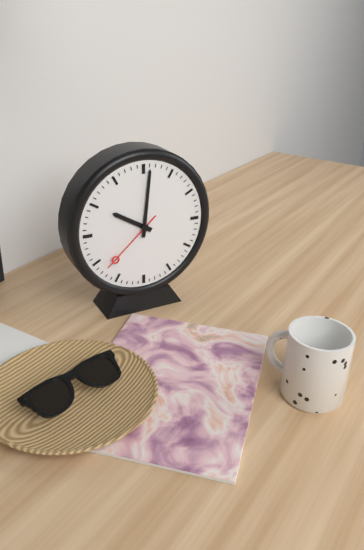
10:01:38
